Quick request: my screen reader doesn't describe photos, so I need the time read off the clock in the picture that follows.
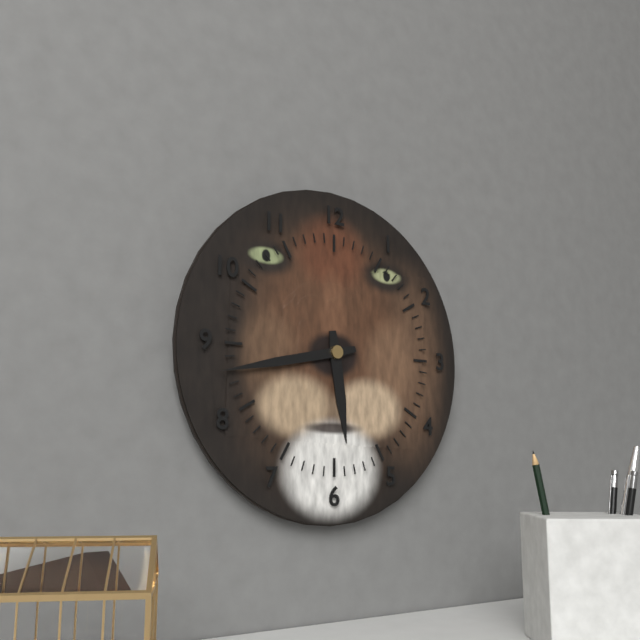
5:43
